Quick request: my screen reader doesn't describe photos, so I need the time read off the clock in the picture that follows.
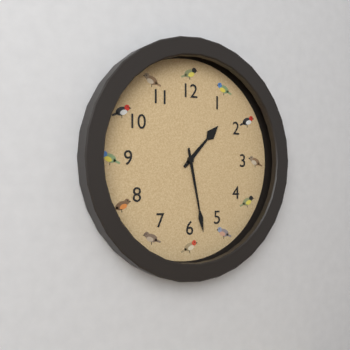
1:28
